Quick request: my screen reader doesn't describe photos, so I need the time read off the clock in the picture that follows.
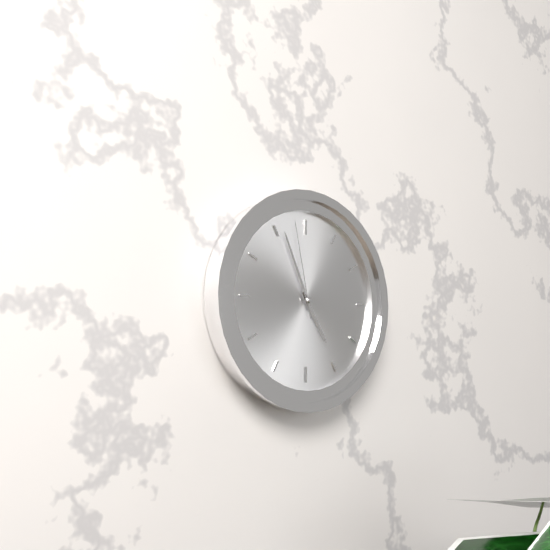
4:56:58
